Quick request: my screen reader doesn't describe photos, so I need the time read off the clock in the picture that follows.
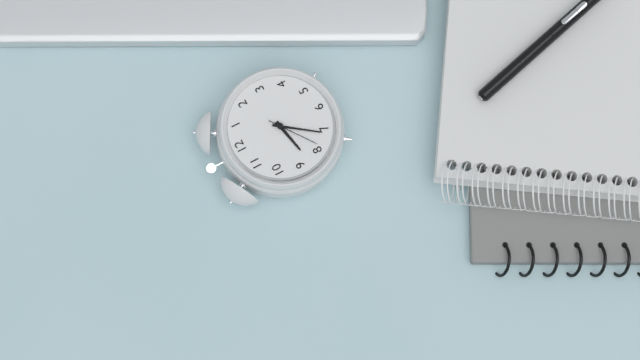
8:36:39
